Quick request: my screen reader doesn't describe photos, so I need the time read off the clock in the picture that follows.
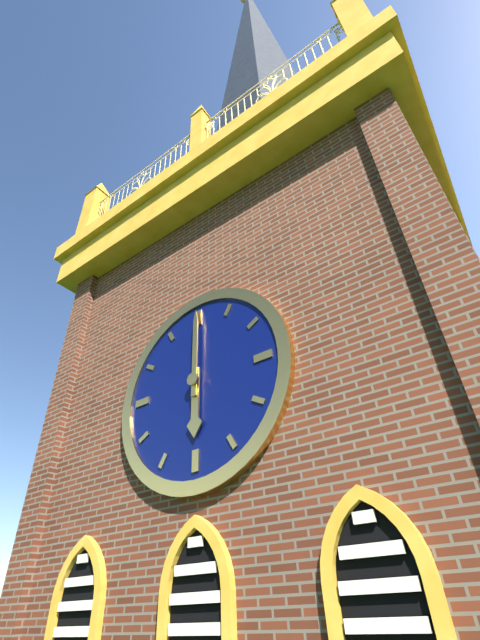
6:00
